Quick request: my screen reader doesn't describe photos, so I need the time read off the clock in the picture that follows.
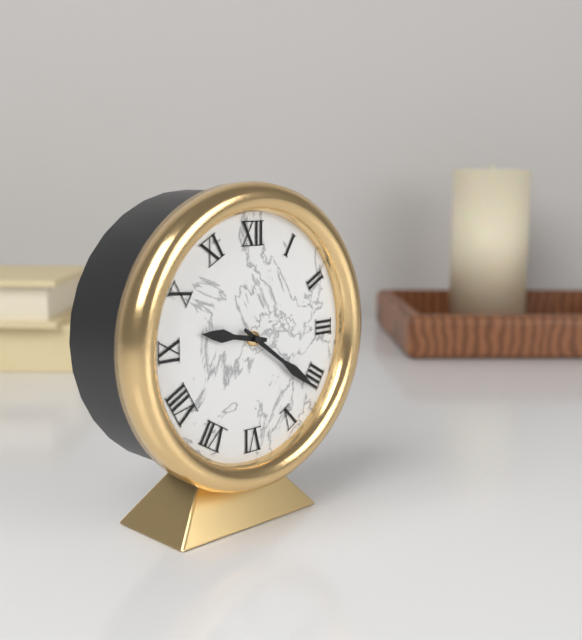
9:21
